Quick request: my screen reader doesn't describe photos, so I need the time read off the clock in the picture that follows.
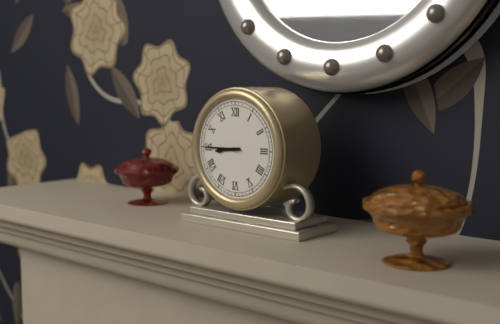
8:45
